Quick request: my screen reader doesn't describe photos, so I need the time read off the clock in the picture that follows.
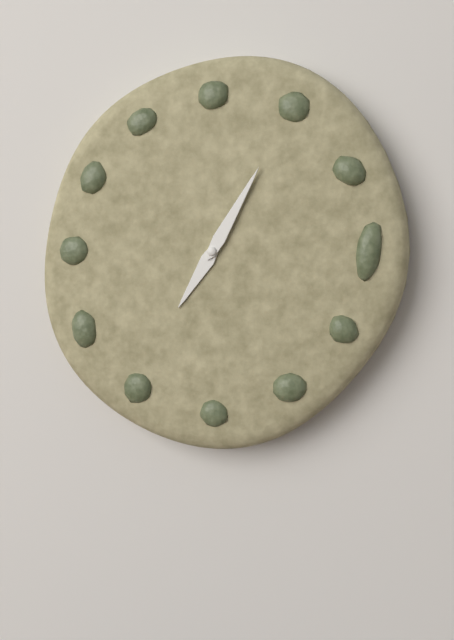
7:05
